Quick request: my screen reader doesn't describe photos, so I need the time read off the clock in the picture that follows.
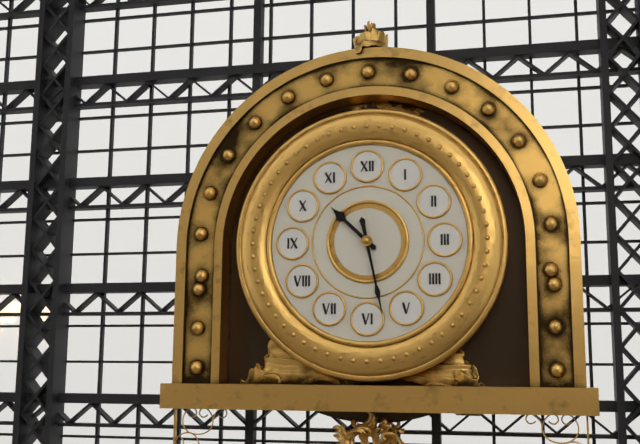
10:28
